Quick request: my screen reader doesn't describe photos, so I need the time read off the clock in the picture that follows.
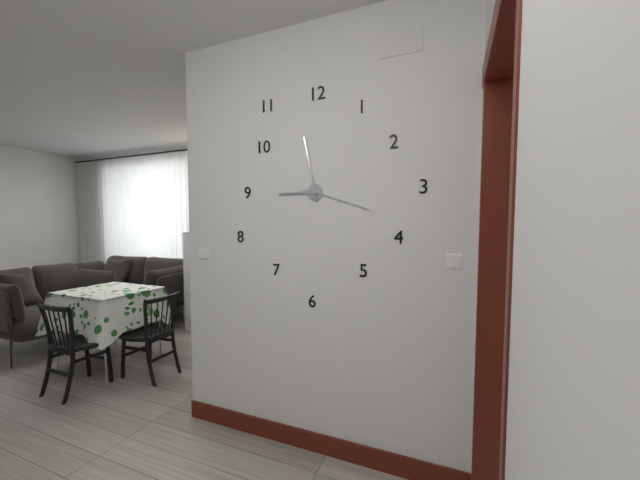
8:58:18
